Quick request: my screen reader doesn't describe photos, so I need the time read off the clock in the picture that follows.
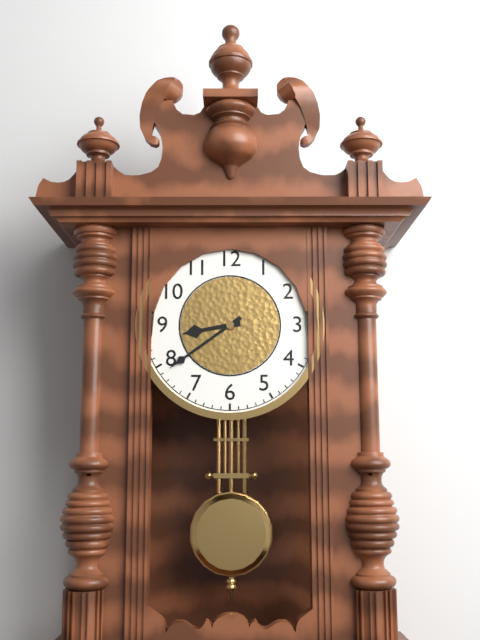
8:39
